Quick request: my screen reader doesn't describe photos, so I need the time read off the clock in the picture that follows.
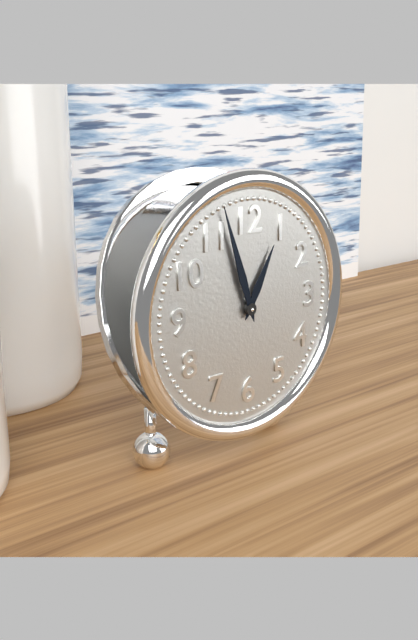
12:57
